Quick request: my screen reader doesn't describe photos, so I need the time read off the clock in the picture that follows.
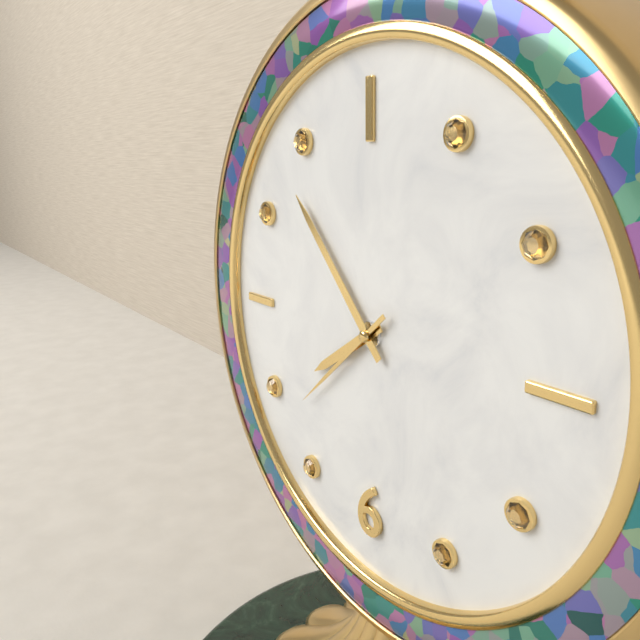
7:53:38
